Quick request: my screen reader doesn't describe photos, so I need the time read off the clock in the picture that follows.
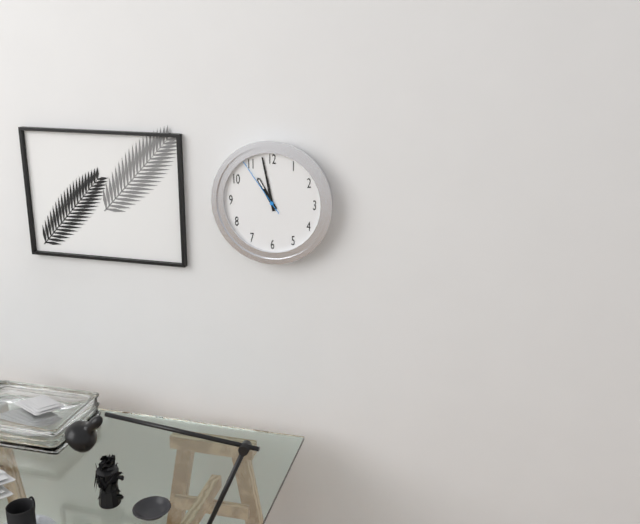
10:58:54
